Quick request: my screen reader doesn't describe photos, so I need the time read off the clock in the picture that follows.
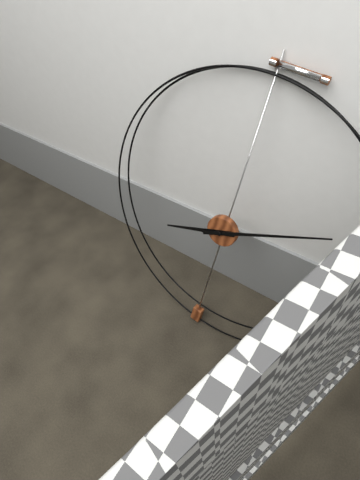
8:10
